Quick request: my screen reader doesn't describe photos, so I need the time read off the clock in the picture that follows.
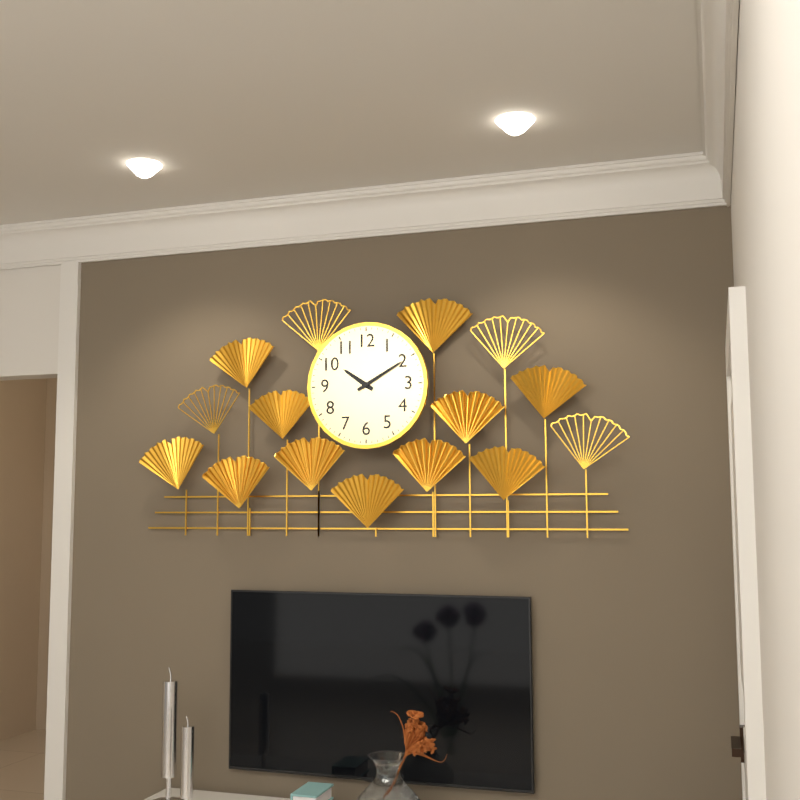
10:10
